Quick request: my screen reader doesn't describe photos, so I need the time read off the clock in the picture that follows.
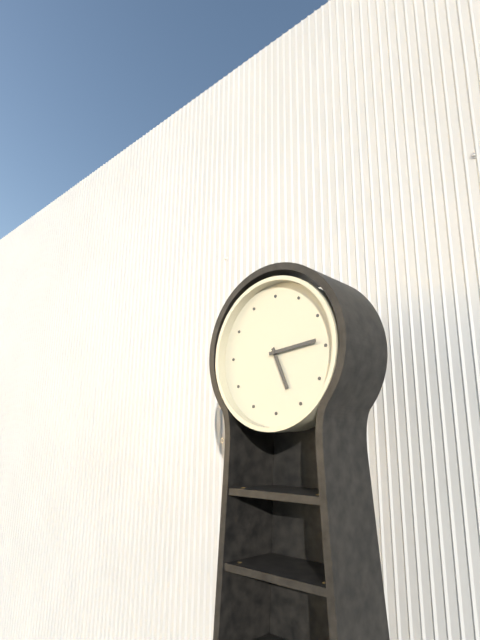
5:14
